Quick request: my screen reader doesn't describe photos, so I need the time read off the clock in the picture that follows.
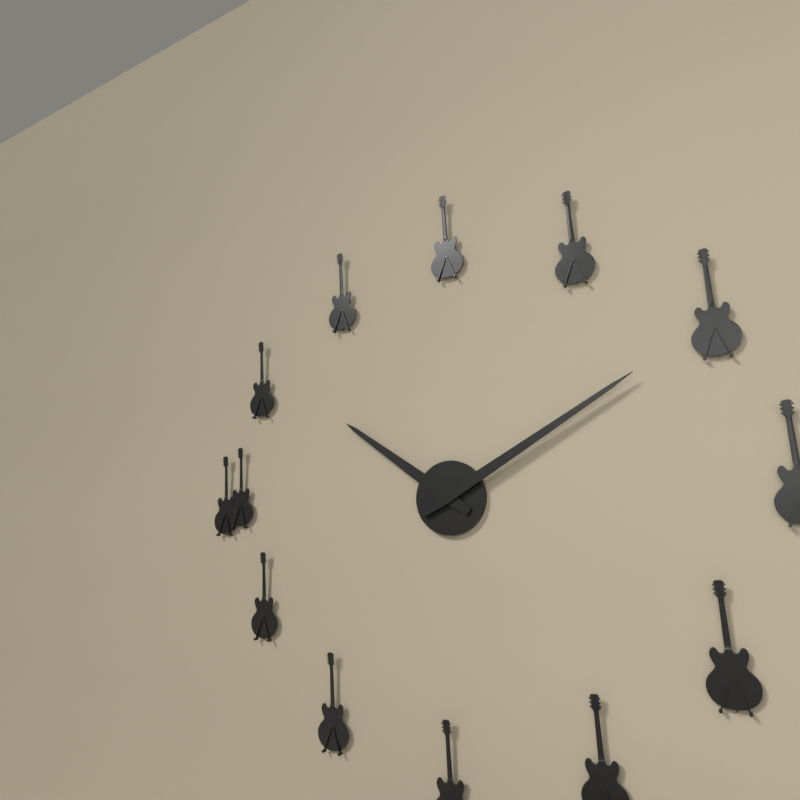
10:10
